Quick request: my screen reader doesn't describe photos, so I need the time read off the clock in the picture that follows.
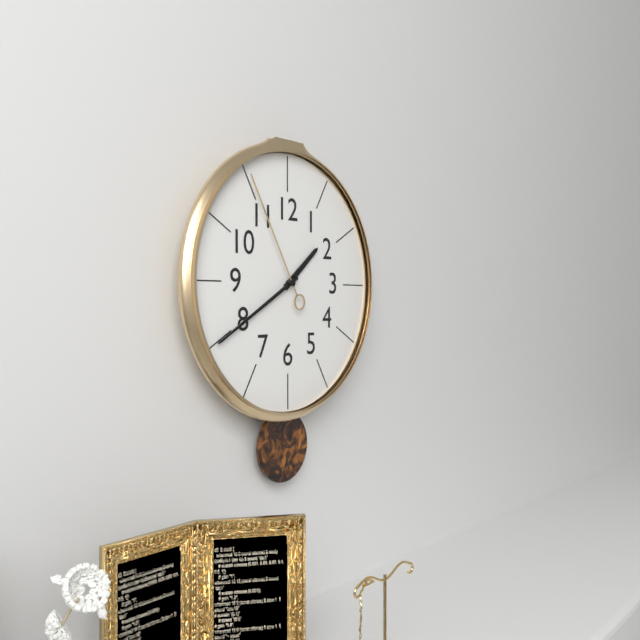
1:40:55
